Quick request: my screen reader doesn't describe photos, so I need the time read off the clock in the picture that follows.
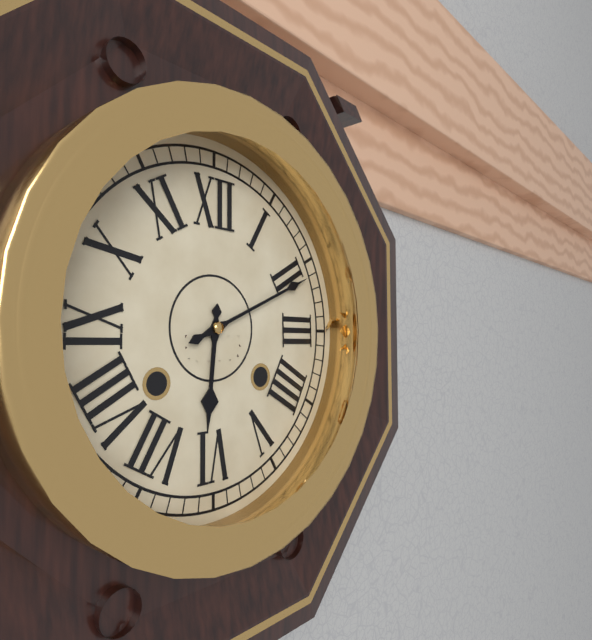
6:11
